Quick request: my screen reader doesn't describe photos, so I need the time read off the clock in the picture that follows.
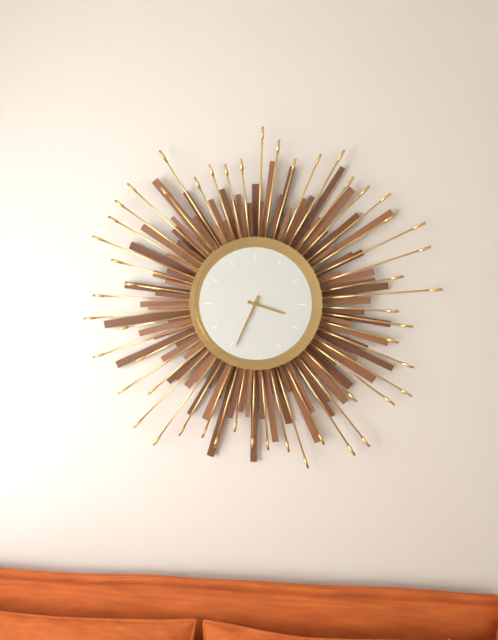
3:34
